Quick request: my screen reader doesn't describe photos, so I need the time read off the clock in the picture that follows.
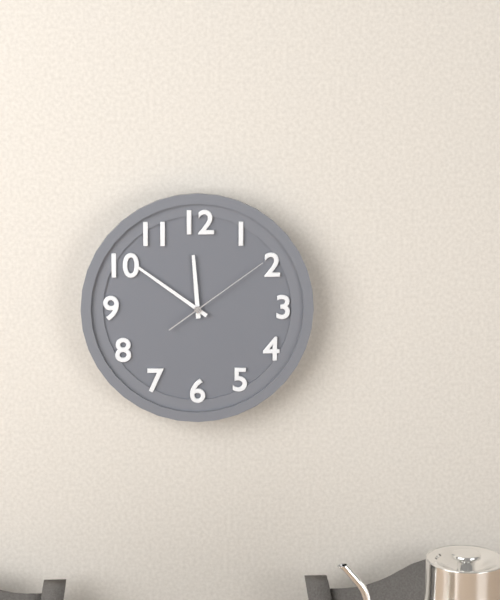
11:51:09
